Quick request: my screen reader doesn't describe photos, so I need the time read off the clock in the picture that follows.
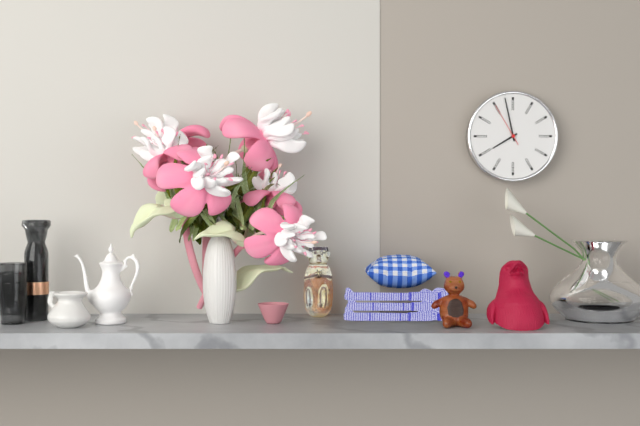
7:58
